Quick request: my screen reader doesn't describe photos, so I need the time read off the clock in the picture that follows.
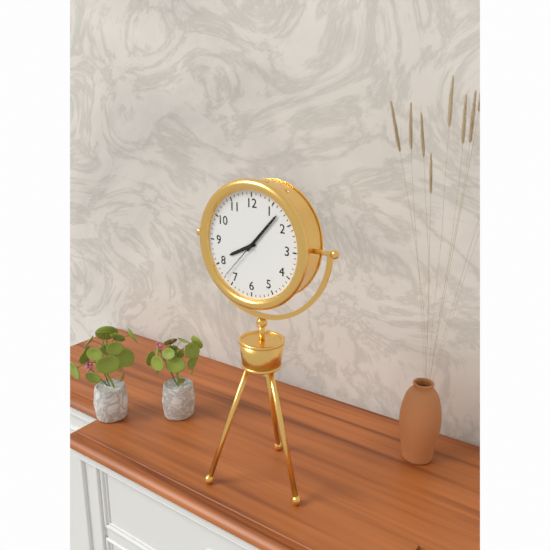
8:07
